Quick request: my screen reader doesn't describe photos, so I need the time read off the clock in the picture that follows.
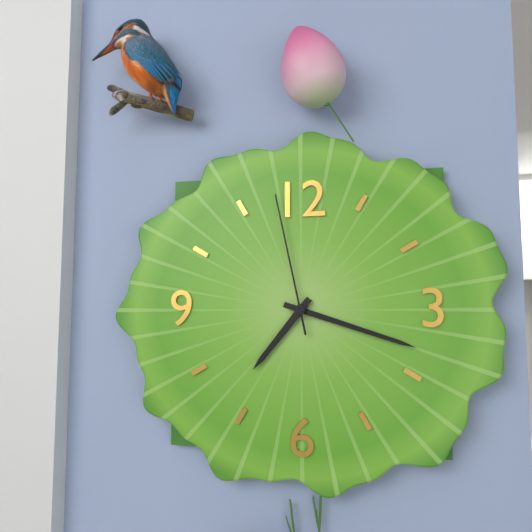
7:18:58
